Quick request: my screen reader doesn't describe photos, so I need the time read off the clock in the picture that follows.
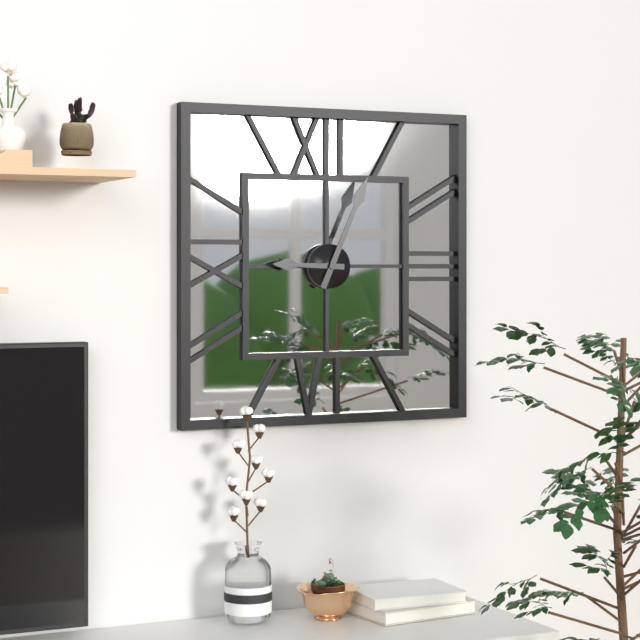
9:04
